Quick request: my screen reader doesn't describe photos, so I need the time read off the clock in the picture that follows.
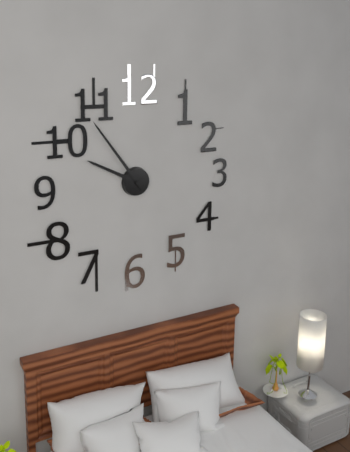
9:54
